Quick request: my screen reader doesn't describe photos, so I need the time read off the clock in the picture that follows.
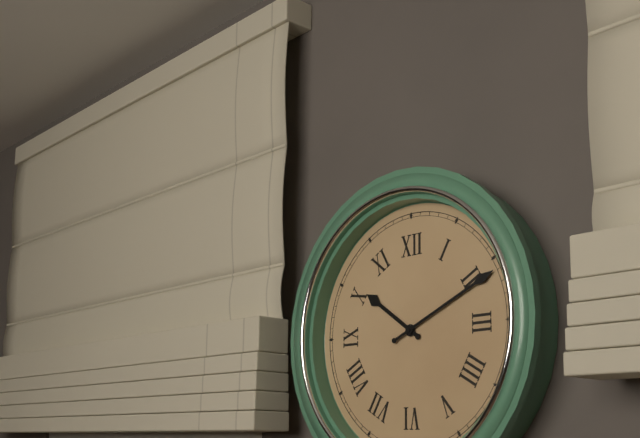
10:11
